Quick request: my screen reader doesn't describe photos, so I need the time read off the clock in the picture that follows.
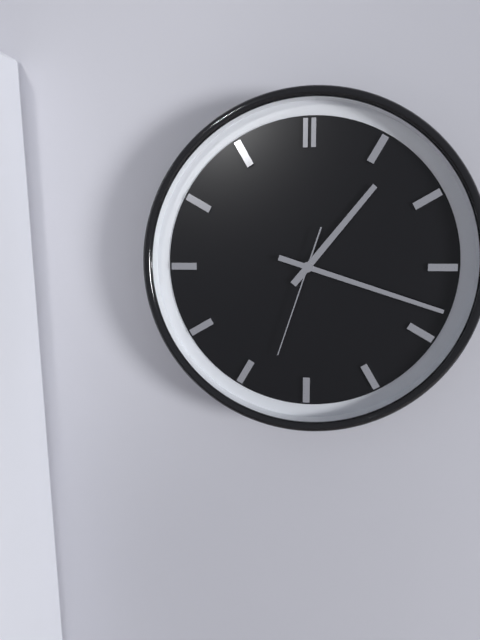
1:18:33
